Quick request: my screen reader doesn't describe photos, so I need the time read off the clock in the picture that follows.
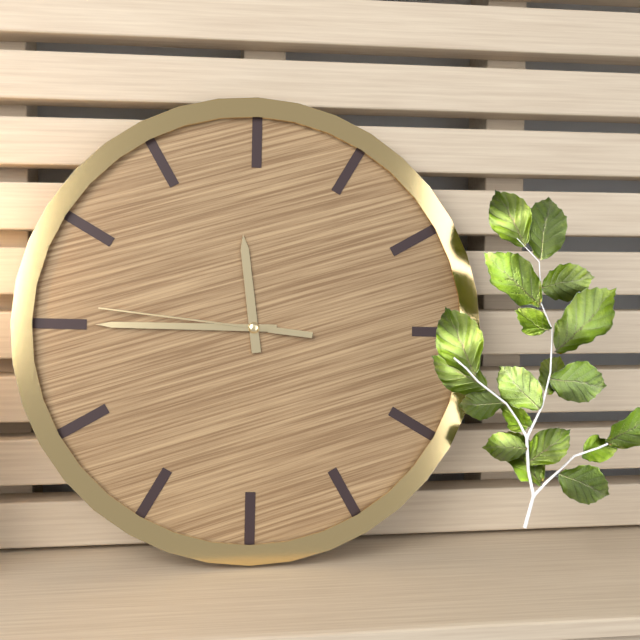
11:45:46
